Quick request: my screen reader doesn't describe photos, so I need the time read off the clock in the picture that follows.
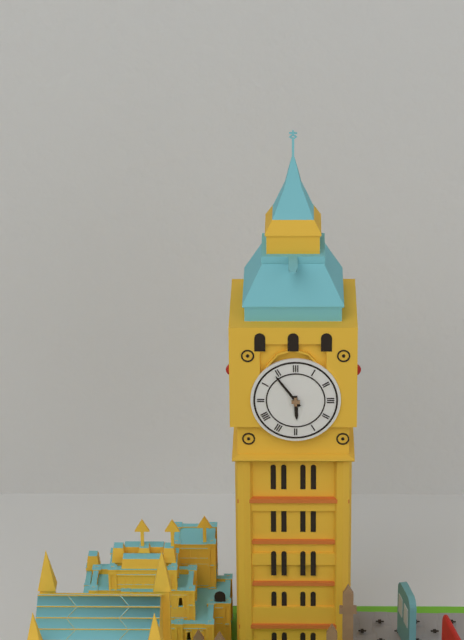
5:54
